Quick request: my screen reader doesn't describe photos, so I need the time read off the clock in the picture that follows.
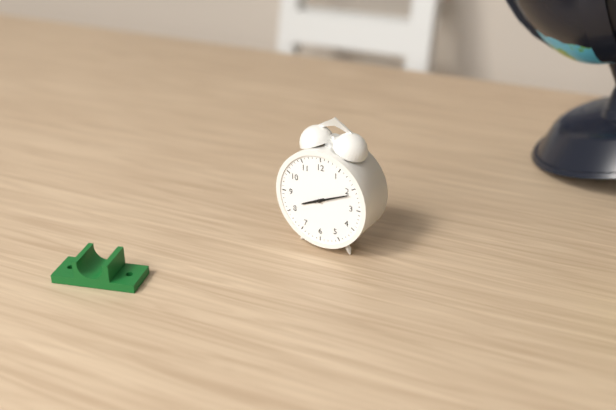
8:11
